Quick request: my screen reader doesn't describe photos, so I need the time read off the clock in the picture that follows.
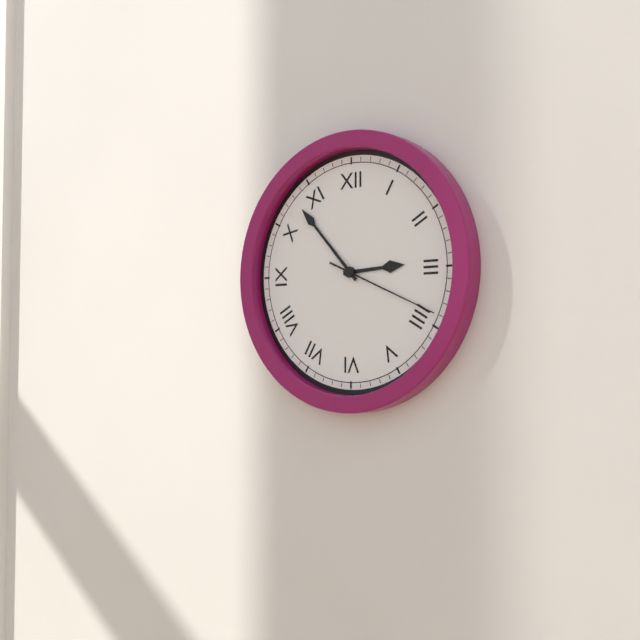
2:53:19
